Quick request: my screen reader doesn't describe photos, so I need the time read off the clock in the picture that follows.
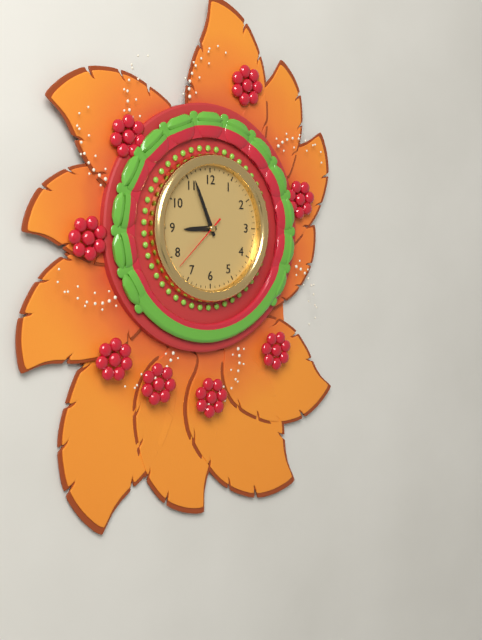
8:56:38
